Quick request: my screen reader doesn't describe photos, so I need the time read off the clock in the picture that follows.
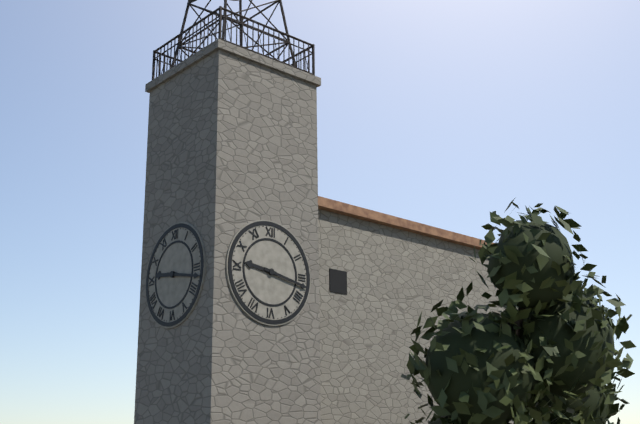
9:17
